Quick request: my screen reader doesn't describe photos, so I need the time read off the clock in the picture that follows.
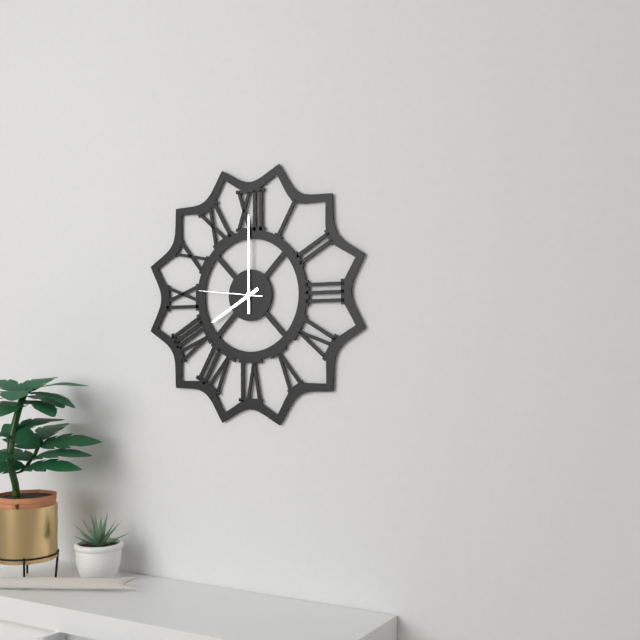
8:00:46
